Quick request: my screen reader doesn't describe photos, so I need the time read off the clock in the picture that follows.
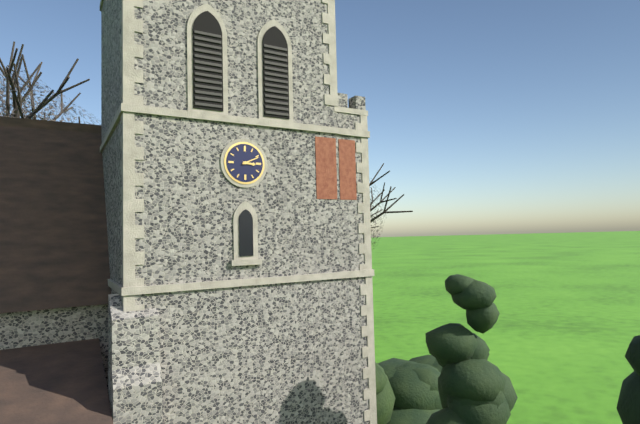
3:11
